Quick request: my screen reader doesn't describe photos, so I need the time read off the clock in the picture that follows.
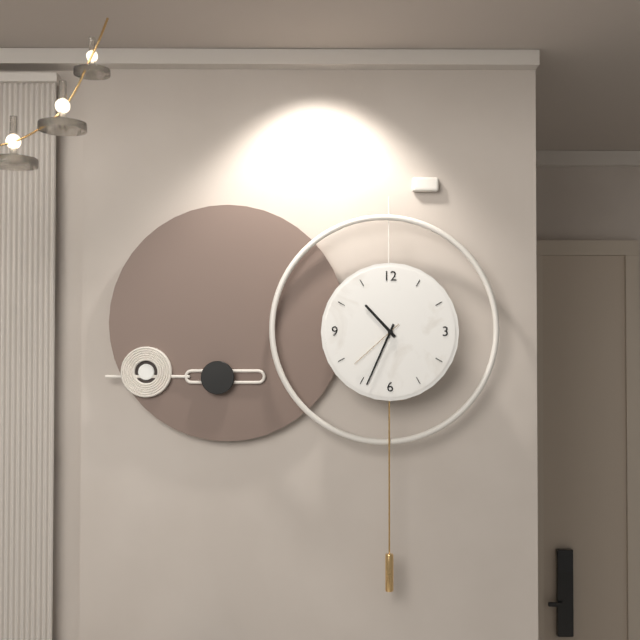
10:34:38
